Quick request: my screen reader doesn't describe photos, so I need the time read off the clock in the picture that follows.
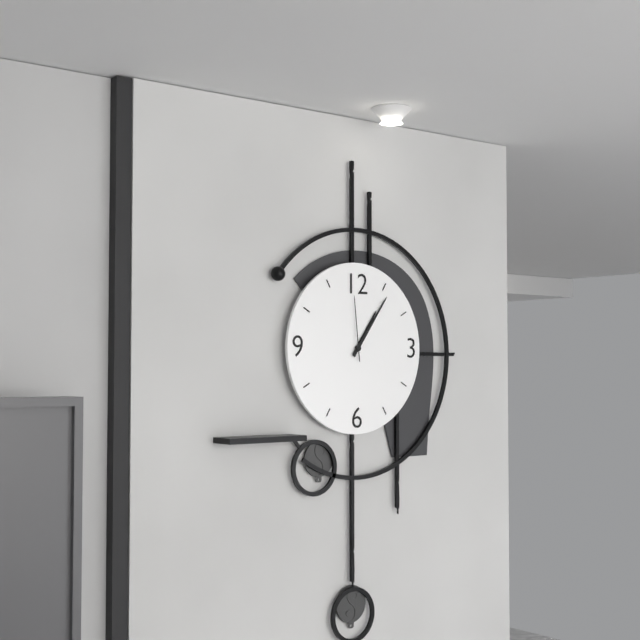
1:06:59
